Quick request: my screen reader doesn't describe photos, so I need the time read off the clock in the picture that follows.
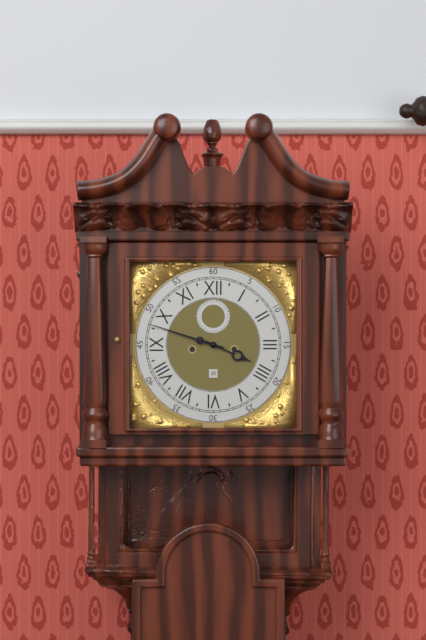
3:48
